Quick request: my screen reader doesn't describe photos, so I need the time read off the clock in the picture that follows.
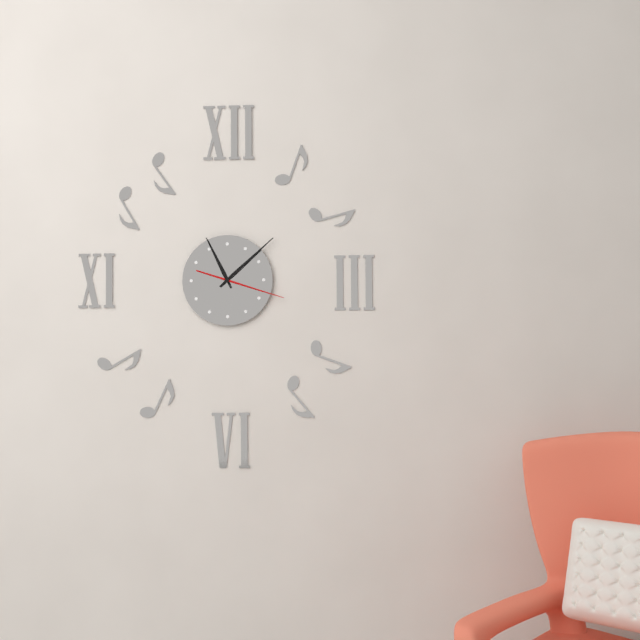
11:08:18
